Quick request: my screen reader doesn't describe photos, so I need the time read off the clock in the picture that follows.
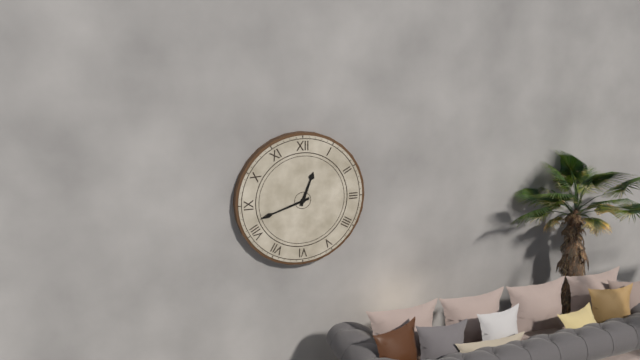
12:42
